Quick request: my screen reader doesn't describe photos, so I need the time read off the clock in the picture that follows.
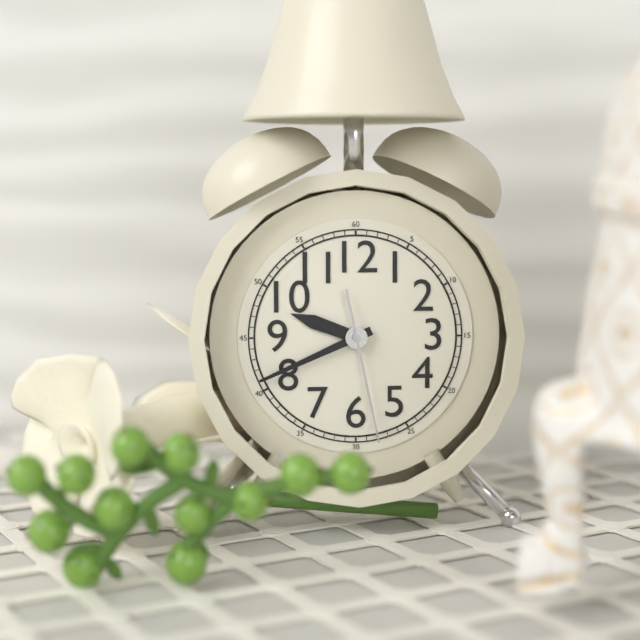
9:41:28
